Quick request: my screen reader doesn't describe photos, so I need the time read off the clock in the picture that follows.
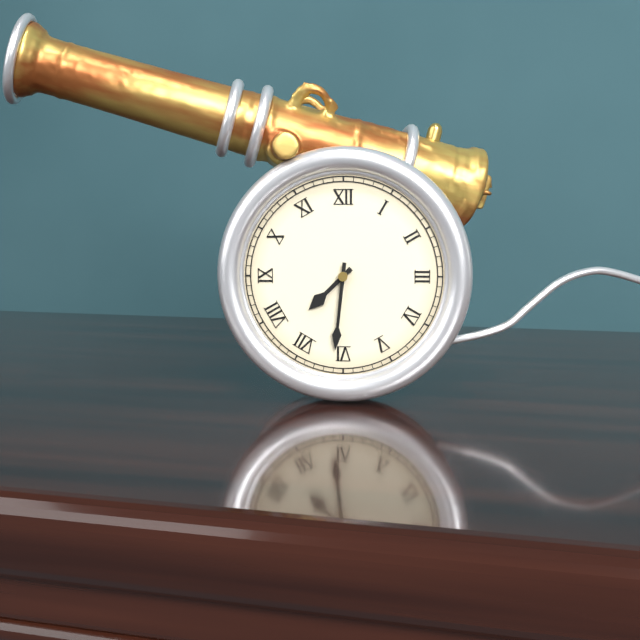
7:31
